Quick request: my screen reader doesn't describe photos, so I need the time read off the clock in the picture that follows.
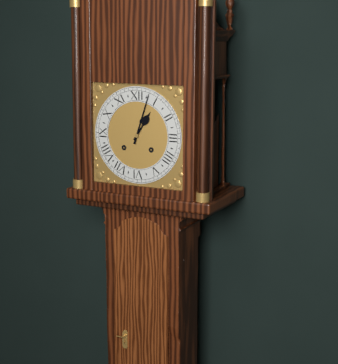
1:03
